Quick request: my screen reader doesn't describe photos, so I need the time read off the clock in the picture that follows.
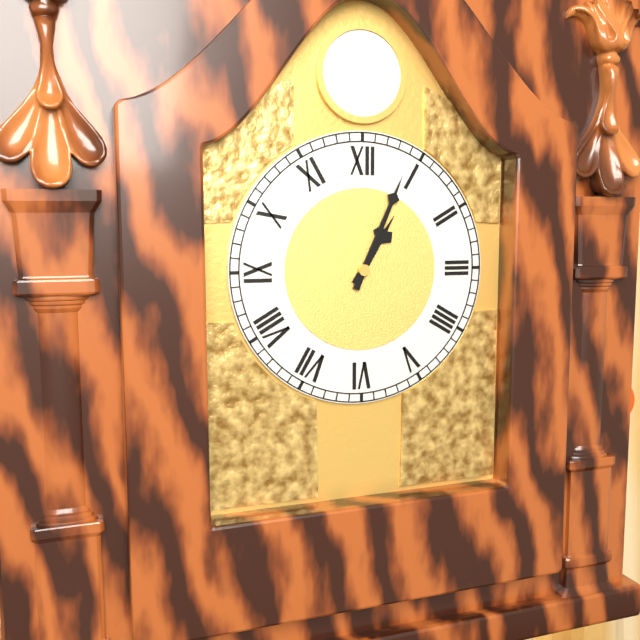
1:04
